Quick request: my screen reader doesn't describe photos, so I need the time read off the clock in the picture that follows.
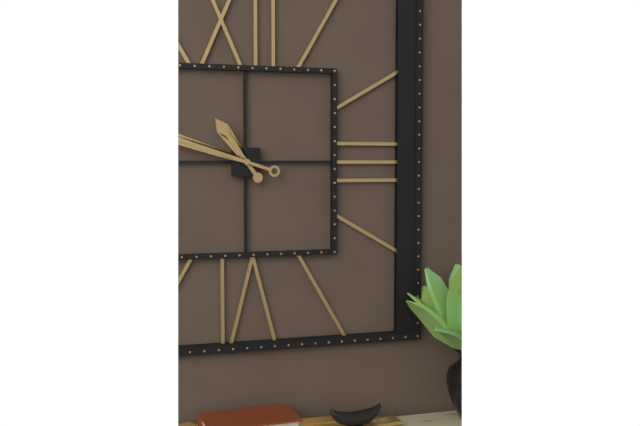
10:48
